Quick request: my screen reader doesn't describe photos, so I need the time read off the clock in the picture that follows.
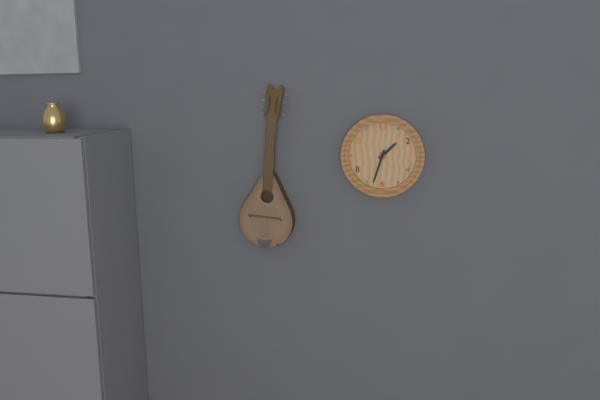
1:33
